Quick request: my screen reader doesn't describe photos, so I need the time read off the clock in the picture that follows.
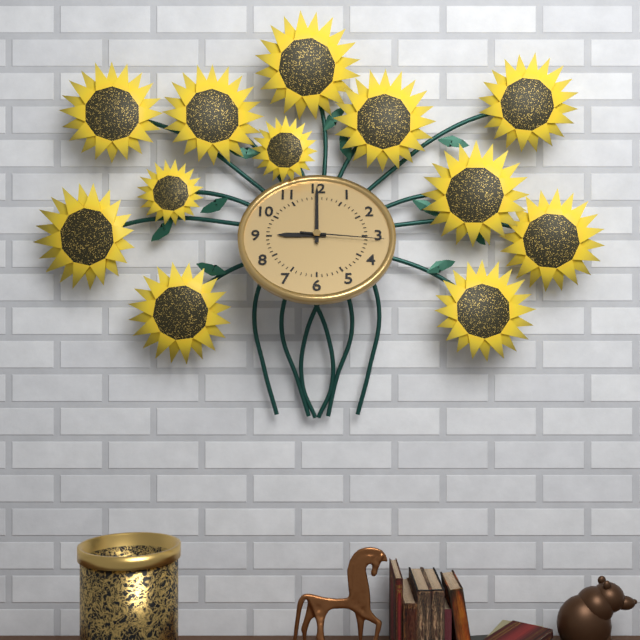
9:00:16
